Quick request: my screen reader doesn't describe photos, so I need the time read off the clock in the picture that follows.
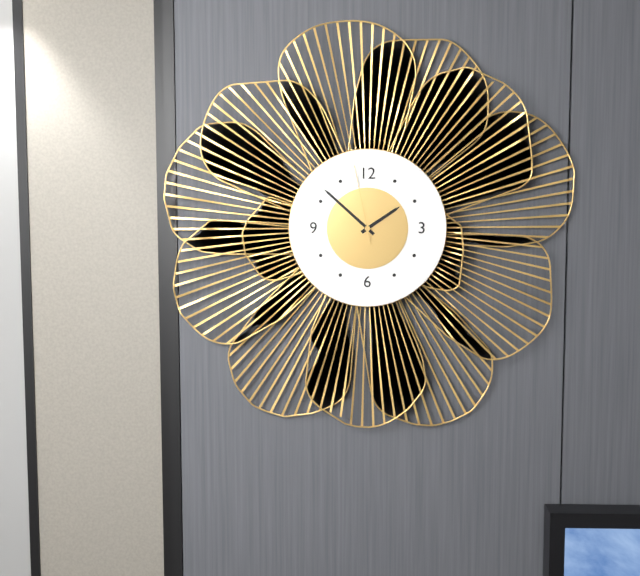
1:52:58
